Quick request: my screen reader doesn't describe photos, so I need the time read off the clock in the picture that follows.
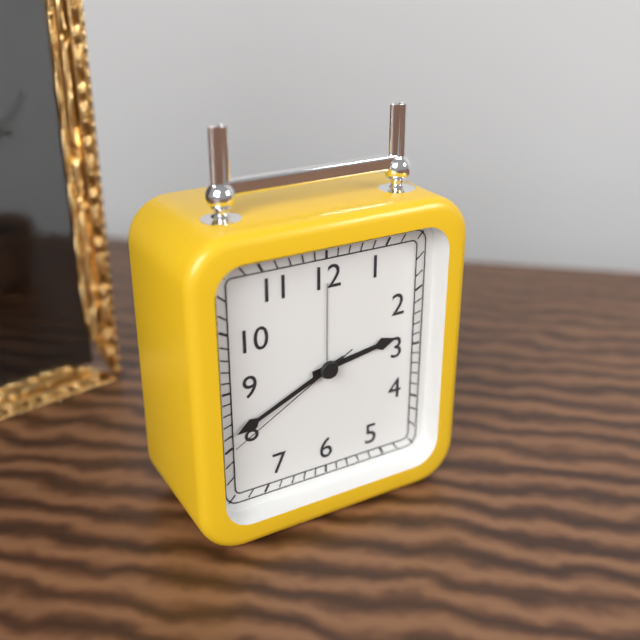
2:41:40
